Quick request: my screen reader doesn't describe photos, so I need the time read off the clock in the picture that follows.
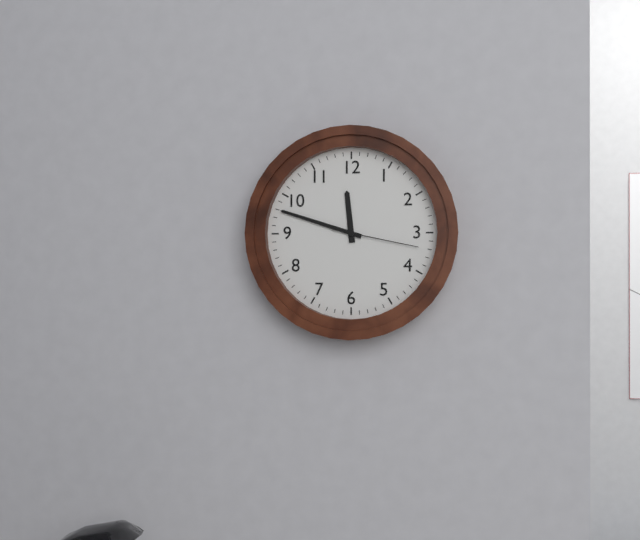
11:48:17
